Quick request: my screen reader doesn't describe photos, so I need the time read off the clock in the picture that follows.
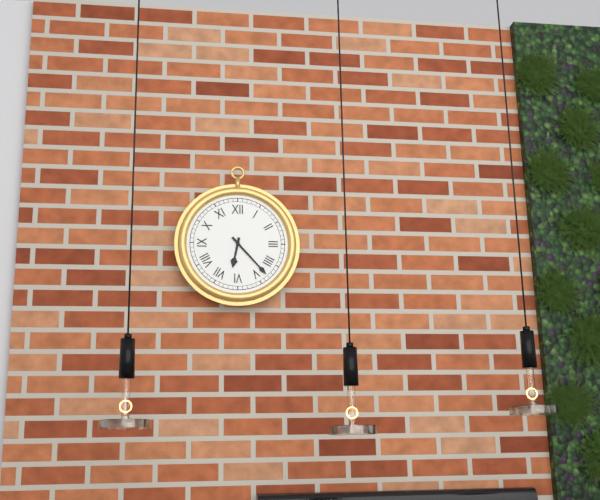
6:23
